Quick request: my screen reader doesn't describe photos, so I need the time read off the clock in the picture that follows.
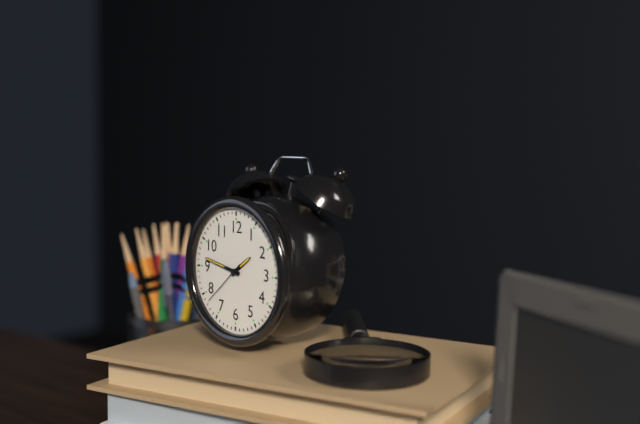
1:47
